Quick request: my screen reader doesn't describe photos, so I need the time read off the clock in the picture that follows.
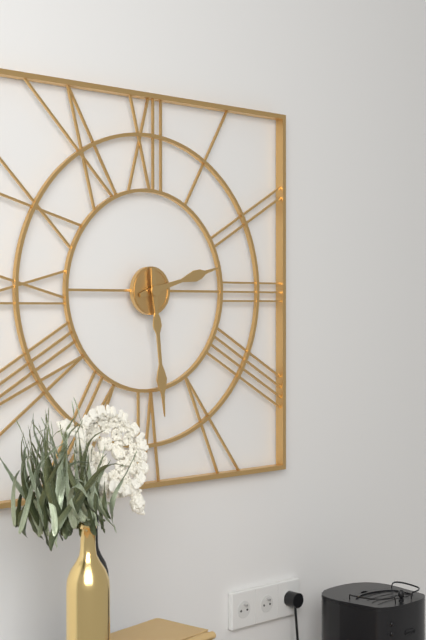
2:29
